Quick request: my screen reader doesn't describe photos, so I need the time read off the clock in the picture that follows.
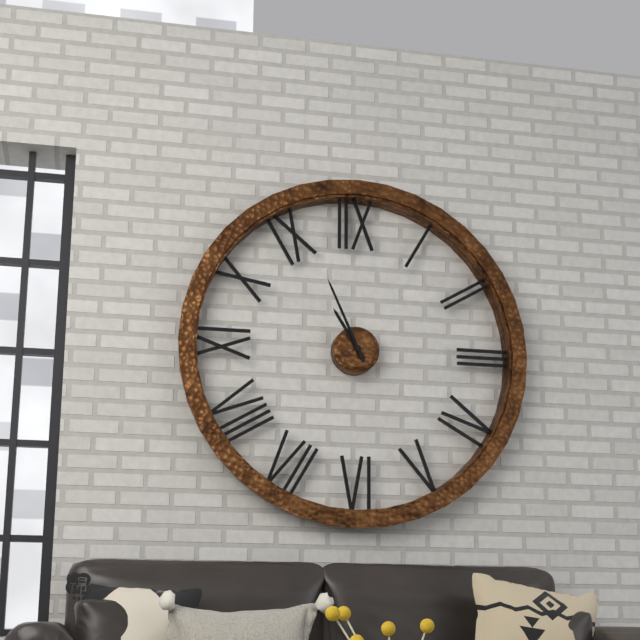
10:56
